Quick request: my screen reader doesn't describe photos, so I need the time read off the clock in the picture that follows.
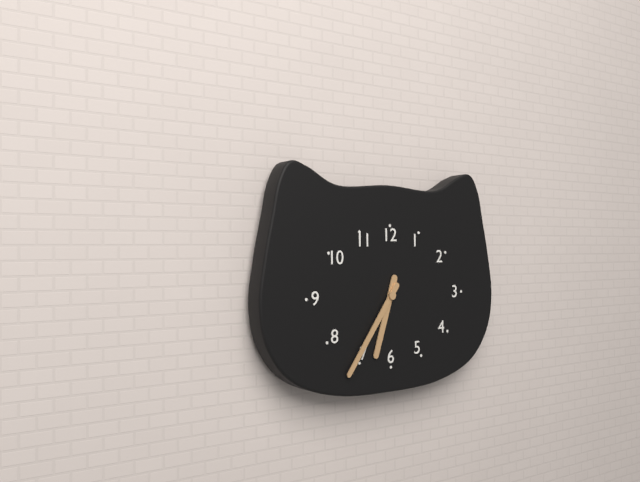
6:36
